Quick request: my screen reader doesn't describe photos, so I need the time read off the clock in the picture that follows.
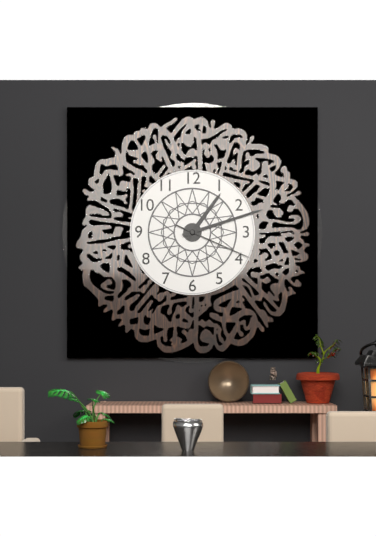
1:12:19
